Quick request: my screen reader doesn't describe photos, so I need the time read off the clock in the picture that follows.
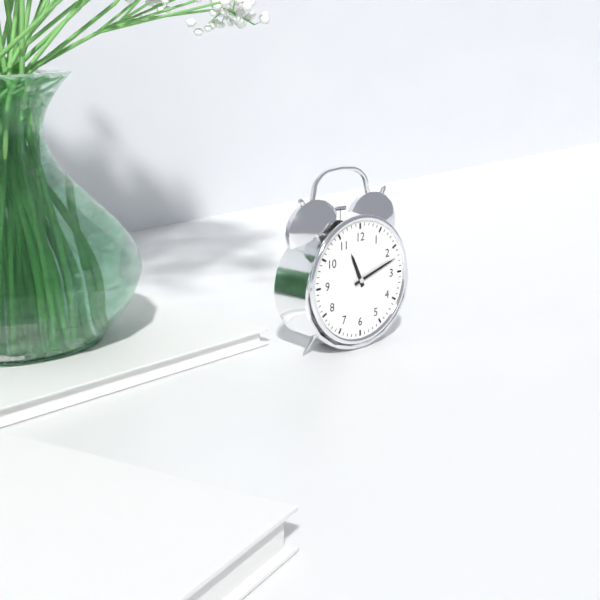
11:12
